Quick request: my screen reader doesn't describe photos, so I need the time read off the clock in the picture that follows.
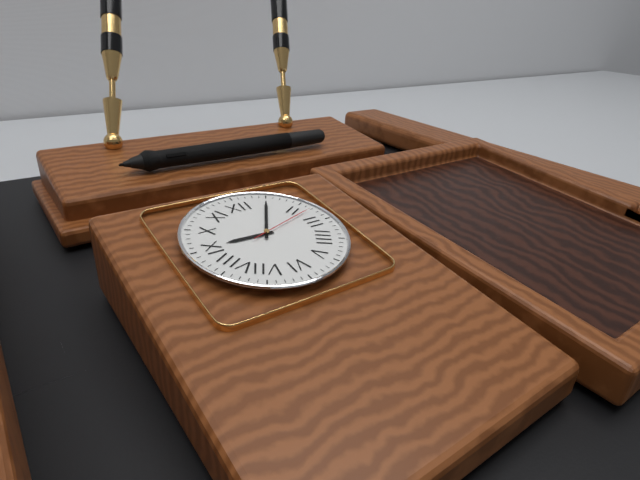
9:05:12
